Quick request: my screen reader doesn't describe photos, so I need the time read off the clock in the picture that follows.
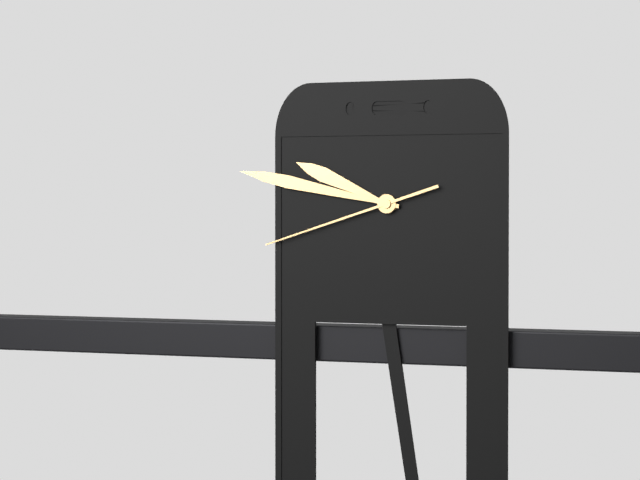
9:47:42
